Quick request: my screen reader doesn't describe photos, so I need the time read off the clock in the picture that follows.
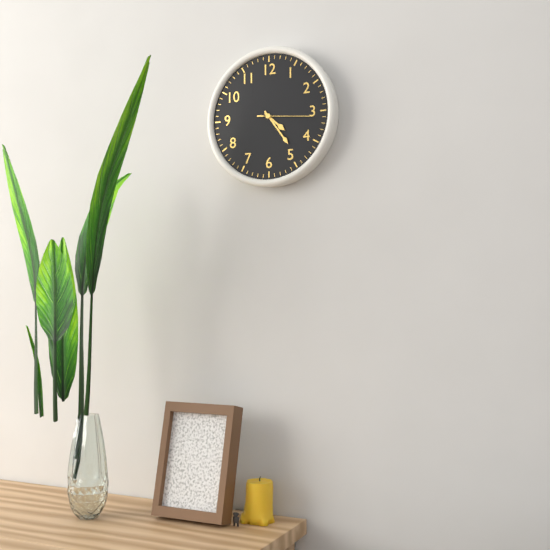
4:24:16
